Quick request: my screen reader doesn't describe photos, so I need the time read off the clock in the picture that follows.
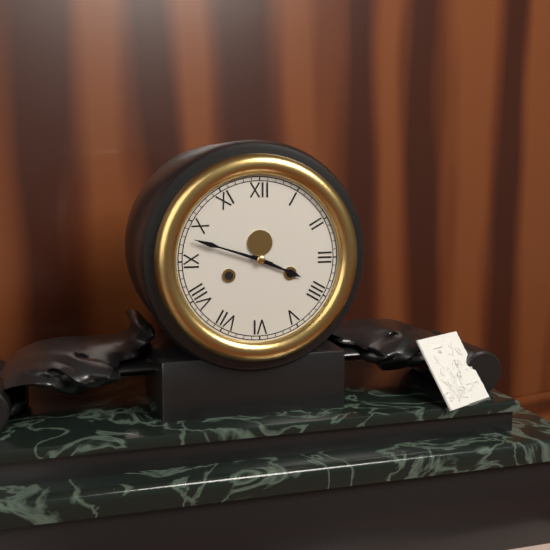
3:48
